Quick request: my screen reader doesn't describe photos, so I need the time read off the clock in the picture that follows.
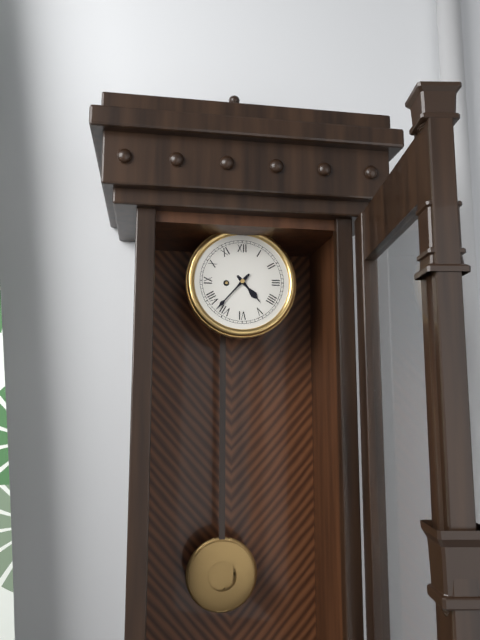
4:37
